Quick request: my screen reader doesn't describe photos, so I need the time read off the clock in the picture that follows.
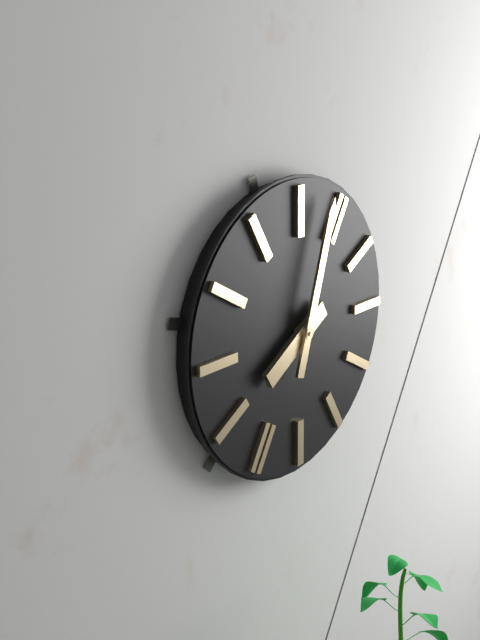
6:58
